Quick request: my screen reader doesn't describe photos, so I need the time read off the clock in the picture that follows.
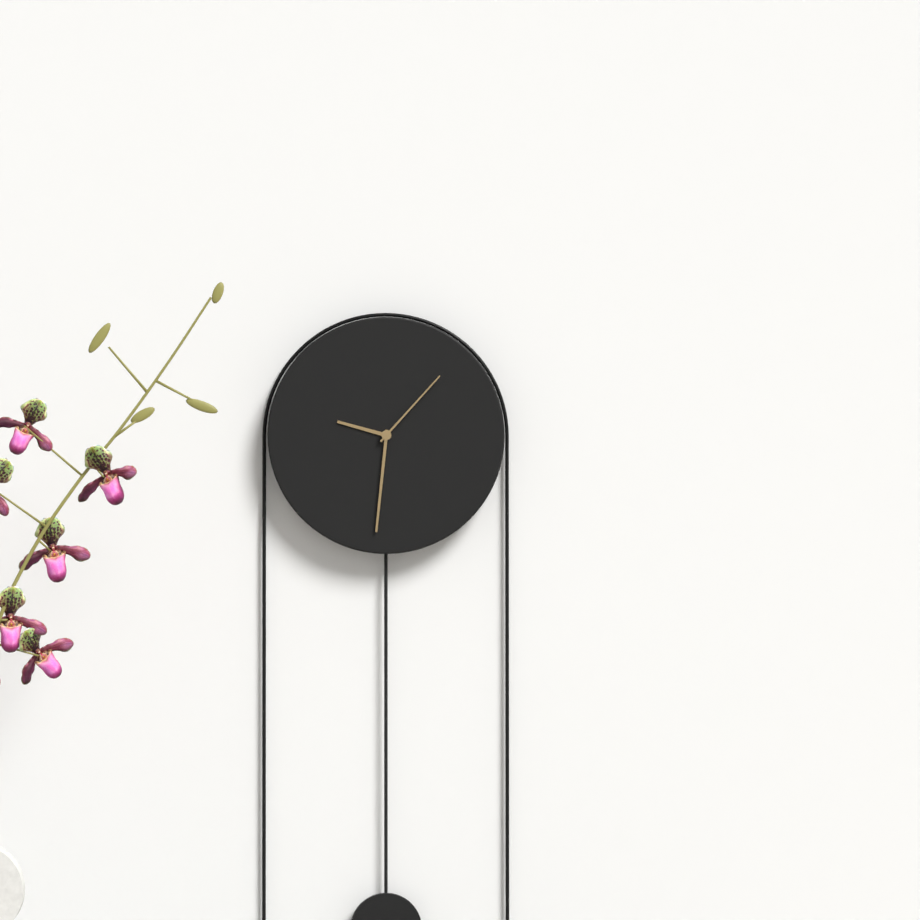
9:31:07
